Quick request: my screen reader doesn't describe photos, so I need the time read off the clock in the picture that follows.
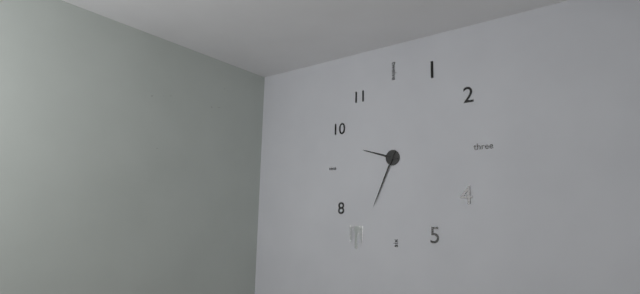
9:34
